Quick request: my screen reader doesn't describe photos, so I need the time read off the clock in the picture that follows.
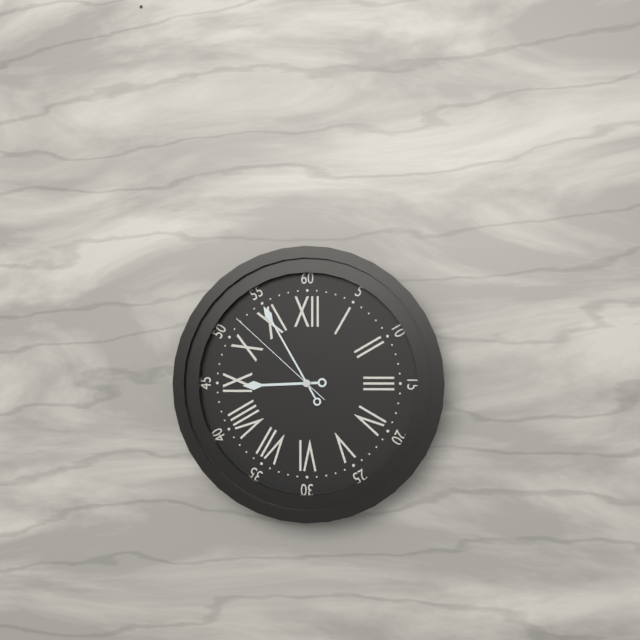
8:55:52
